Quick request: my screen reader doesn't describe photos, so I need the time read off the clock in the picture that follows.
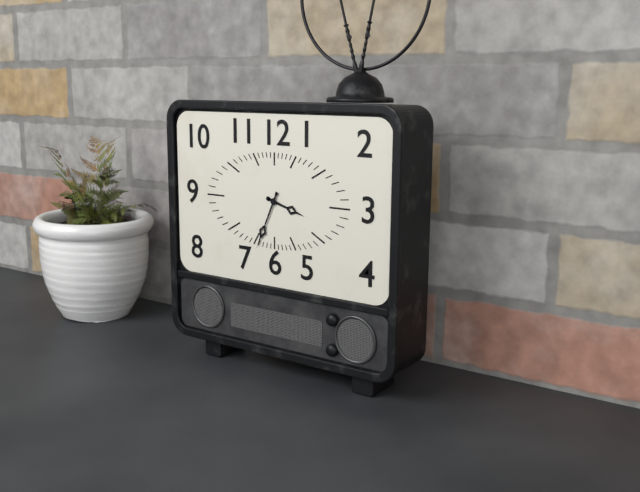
3:34
